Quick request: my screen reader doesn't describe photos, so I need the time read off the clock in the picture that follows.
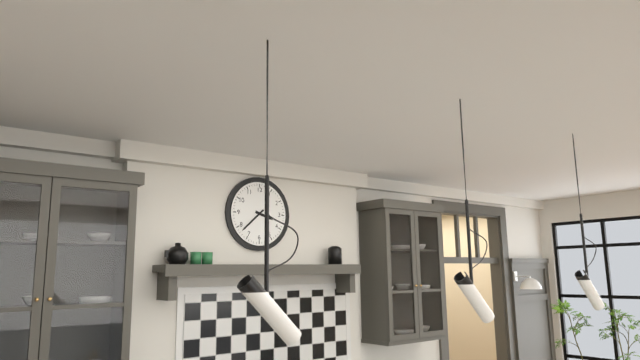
3:38
